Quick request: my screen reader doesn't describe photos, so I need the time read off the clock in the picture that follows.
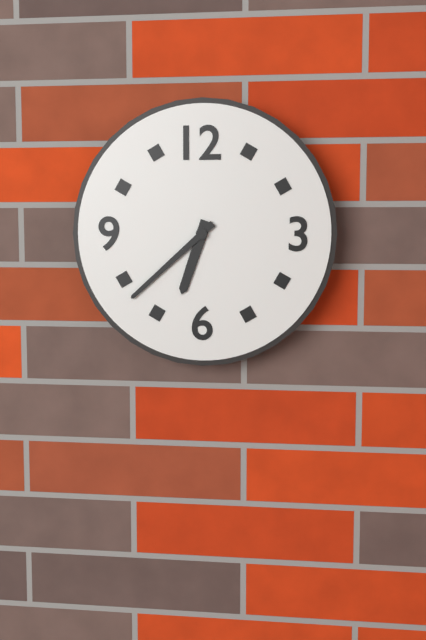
6:38
